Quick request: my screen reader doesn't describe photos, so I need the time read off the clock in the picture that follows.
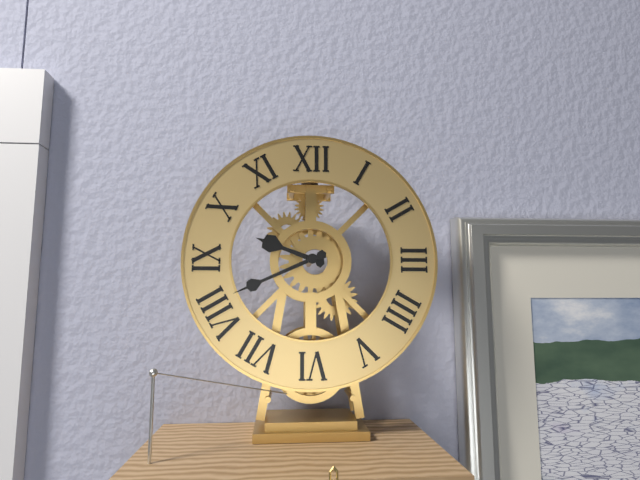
9:41
